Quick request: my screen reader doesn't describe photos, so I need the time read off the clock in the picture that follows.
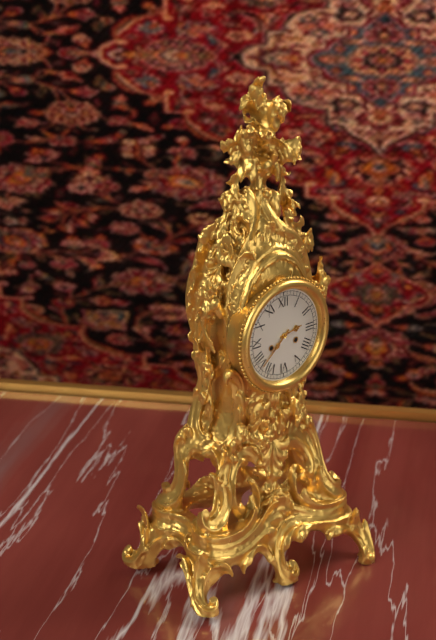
2:38
